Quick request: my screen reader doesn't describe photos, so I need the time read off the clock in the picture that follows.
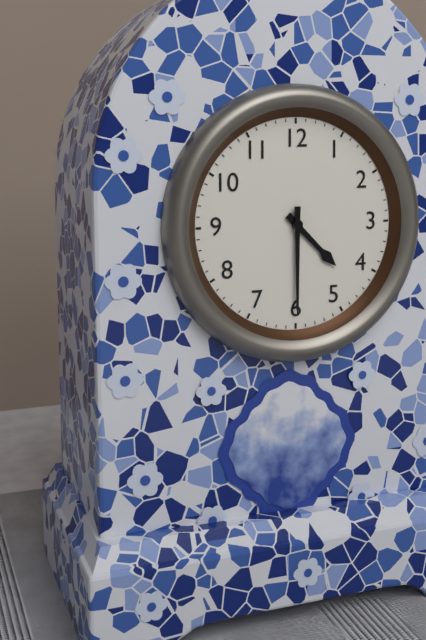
4:30
